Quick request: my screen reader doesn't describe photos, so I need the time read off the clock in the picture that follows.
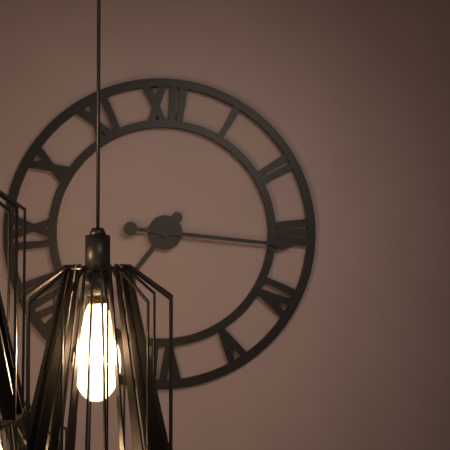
7:16
